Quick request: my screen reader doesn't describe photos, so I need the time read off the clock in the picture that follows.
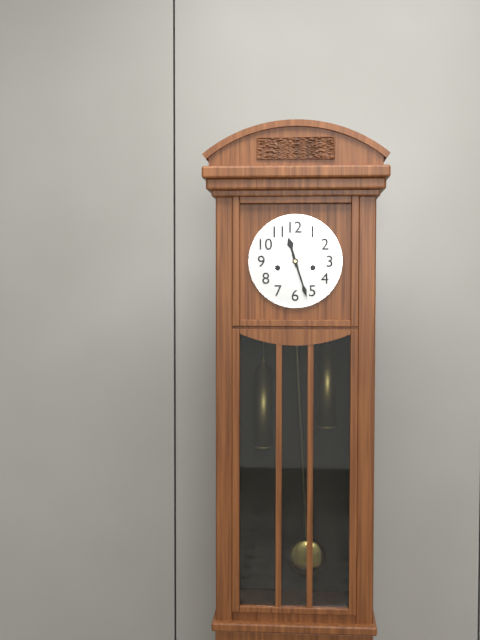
11:27
